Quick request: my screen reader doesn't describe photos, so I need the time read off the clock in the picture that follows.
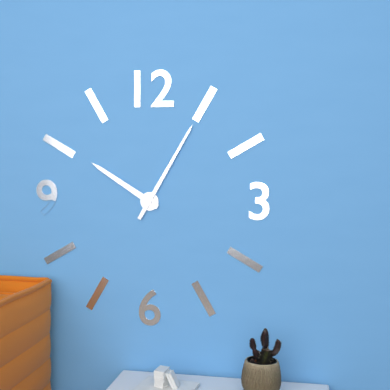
10:05
